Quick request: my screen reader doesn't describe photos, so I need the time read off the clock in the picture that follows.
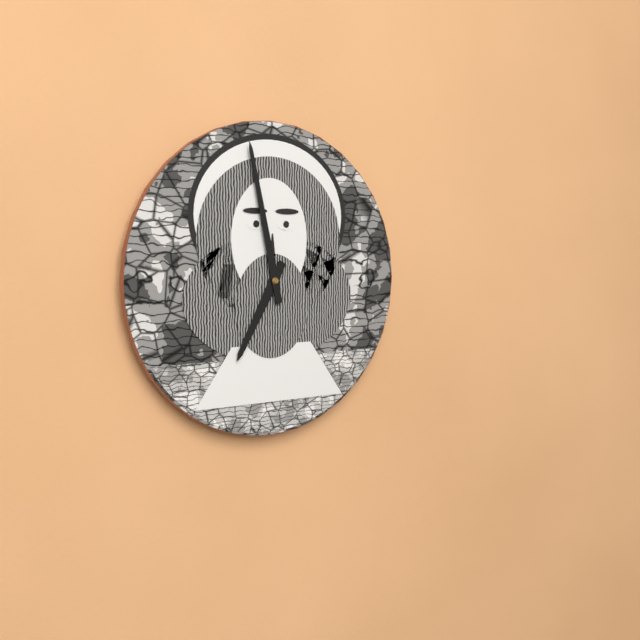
6:58
